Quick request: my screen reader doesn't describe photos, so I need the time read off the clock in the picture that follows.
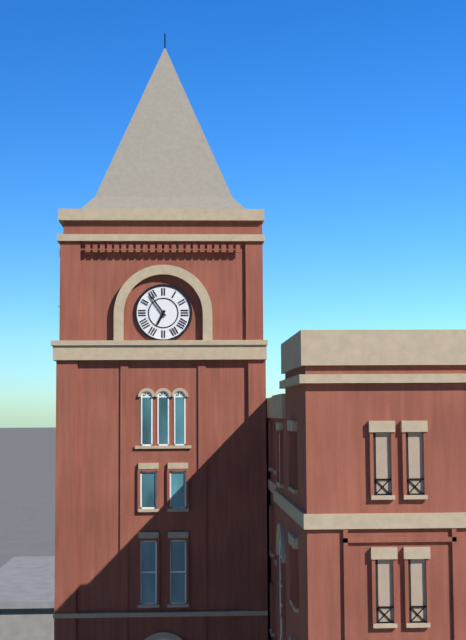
6:54
